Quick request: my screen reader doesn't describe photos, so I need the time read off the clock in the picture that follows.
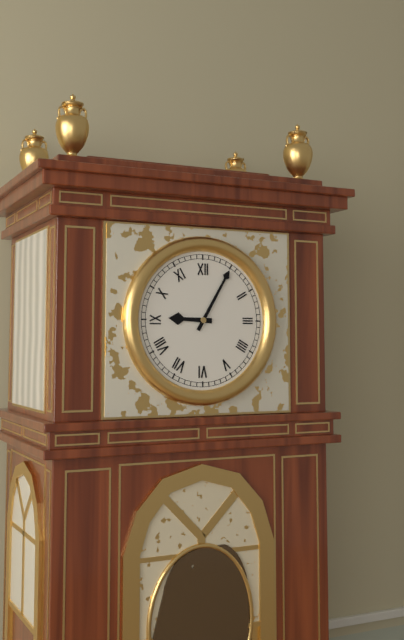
9:05
